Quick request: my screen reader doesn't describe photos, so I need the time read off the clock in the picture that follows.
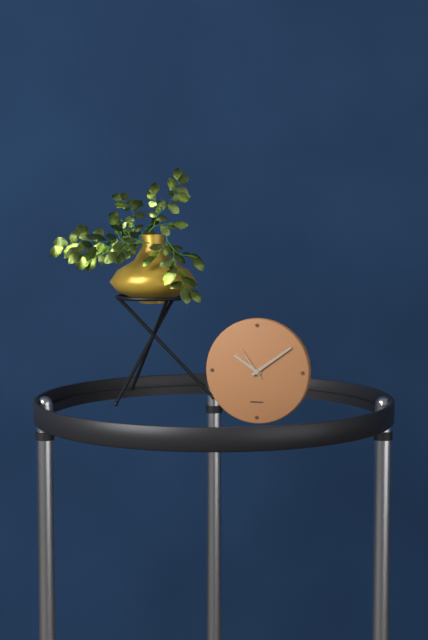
10:09
